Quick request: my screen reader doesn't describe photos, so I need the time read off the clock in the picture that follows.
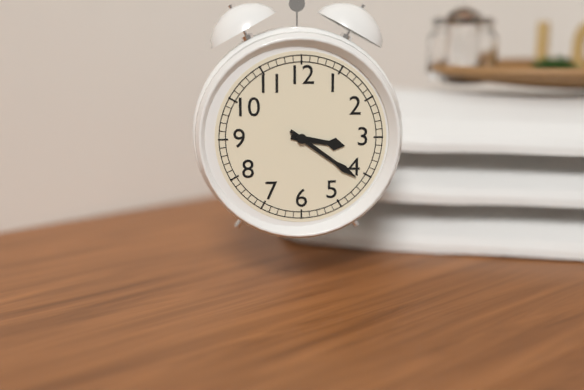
3:21
